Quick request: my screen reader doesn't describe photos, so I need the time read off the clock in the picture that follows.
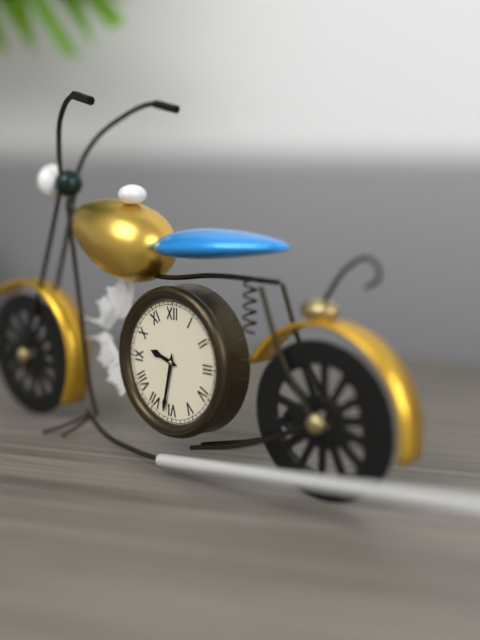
9:32
